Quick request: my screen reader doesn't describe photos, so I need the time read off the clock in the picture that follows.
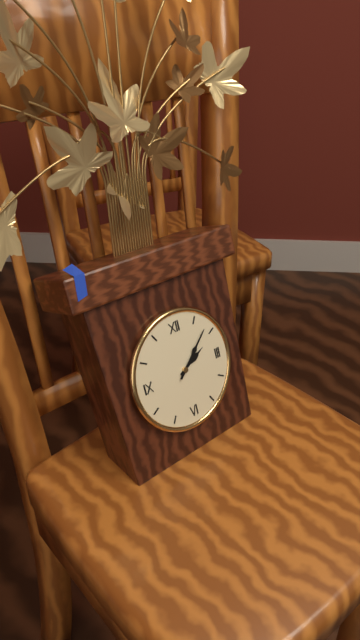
2:08
